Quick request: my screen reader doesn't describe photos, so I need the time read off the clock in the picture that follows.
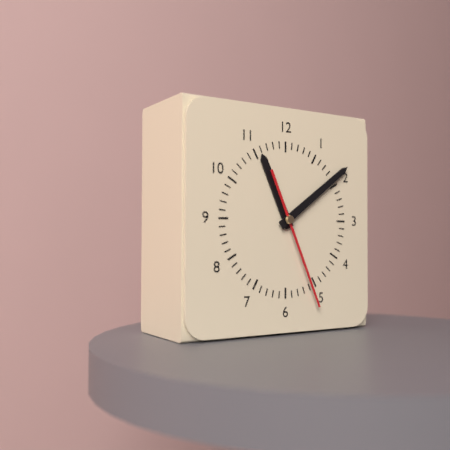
11:09:26
